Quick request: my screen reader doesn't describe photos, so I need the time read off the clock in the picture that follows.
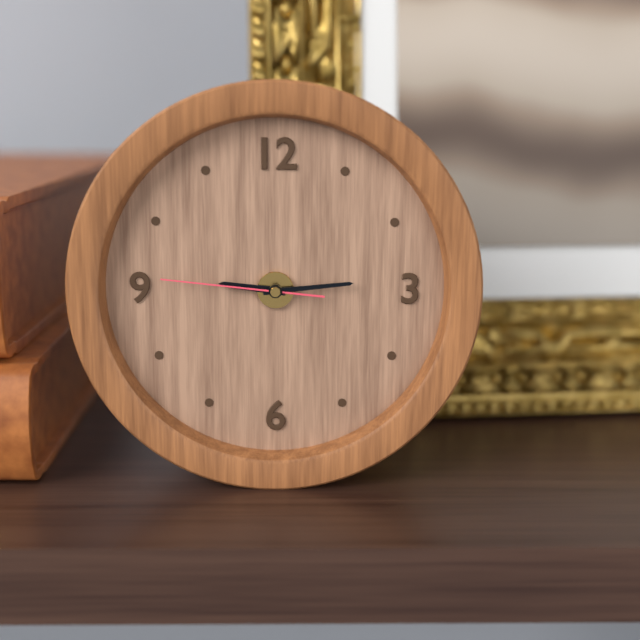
9:14:46
